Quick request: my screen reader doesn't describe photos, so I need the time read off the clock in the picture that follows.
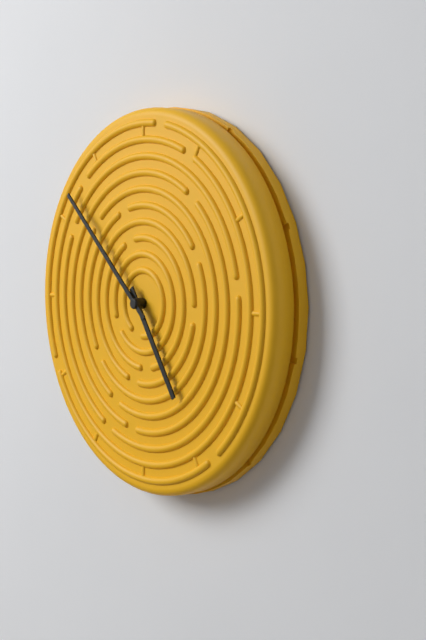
4:52
